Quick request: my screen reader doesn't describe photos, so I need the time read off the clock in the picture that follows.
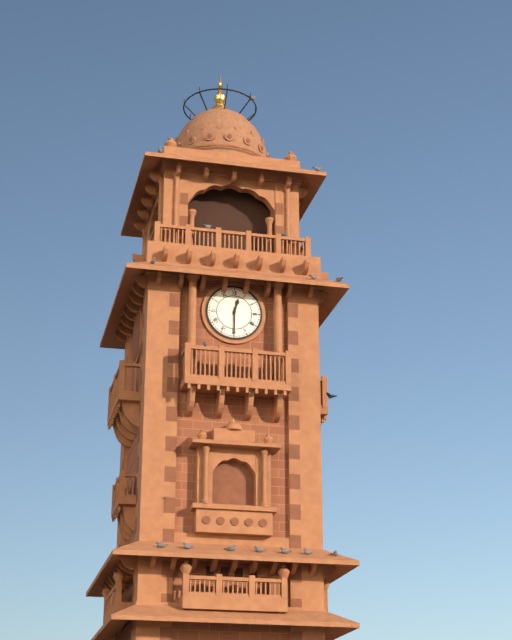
12:30
